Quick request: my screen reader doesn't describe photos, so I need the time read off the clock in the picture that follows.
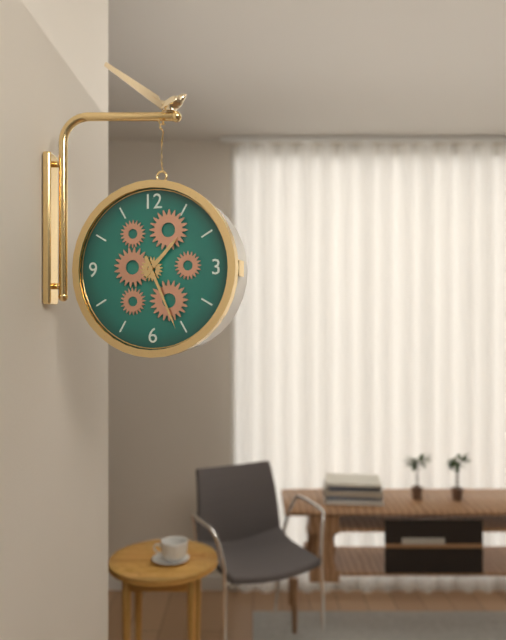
1:26
